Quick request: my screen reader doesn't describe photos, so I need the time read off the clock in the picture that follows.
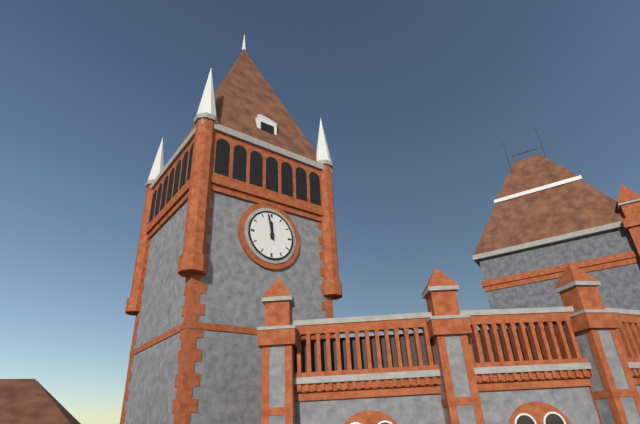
11:58
